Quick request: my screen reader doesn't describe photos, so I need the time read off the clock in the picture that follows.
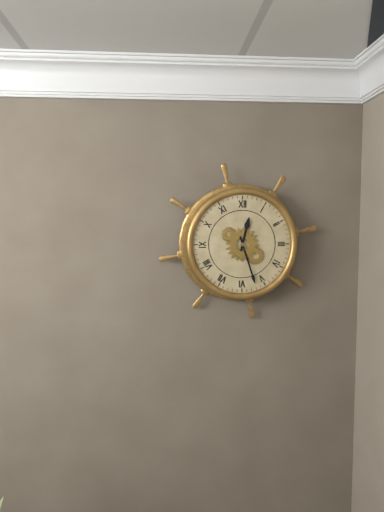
12:27
